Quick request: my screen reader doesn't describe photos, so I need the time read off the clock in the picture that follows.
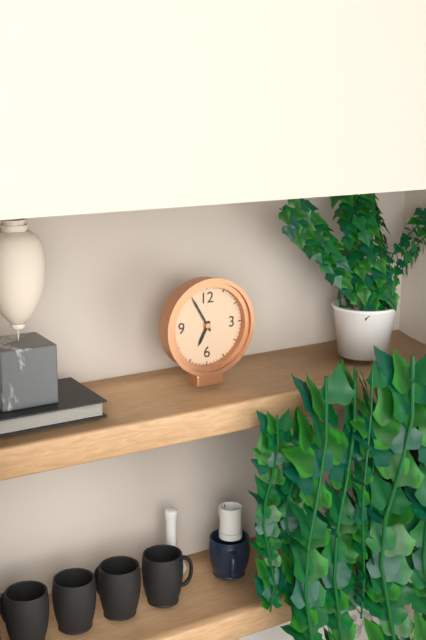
6:55
